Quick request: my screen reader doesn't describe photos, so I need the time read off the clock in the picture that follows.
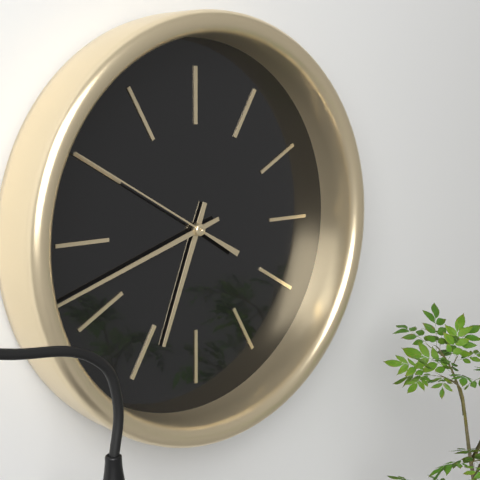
6:42:50
